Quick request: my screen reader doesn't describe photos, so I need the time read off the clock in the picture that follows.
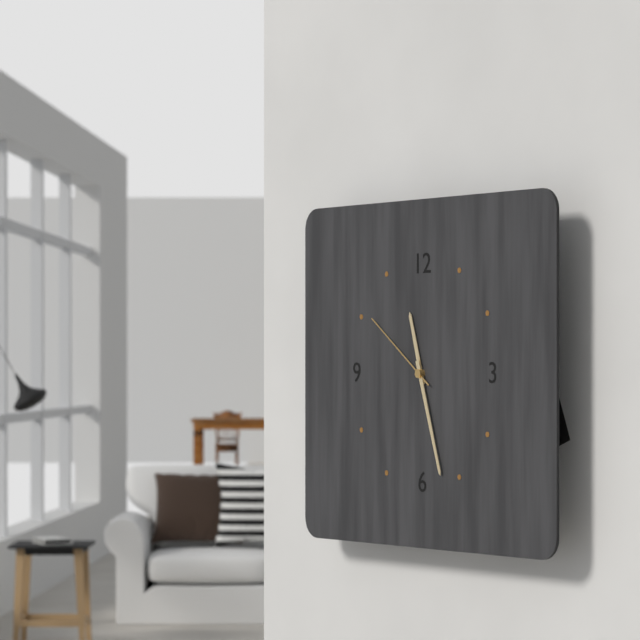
11:27:51
